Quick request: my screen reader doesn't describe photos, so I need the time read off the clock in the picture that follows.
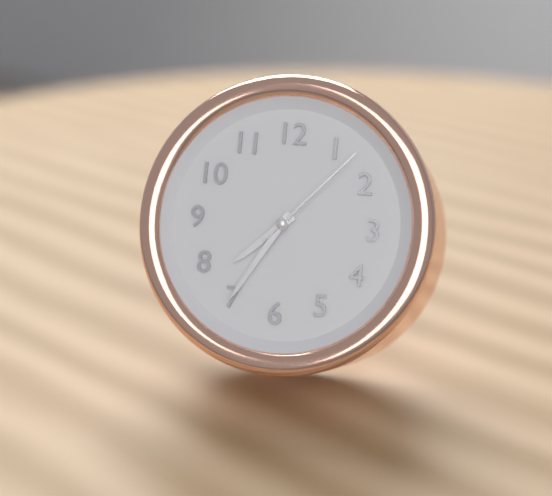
7:35:07
